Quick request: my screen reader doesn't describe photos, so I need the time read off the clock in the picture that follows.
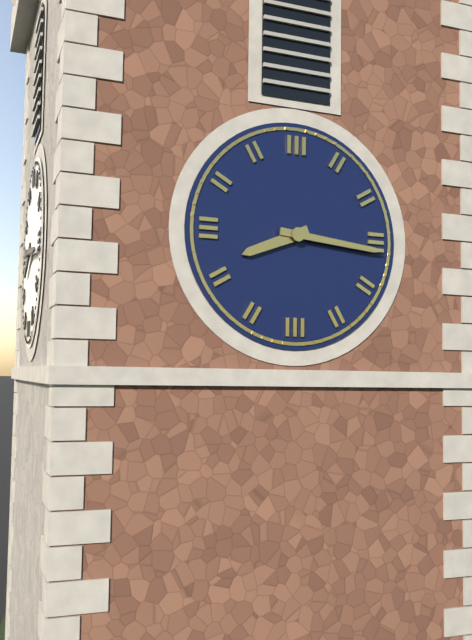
8:16
